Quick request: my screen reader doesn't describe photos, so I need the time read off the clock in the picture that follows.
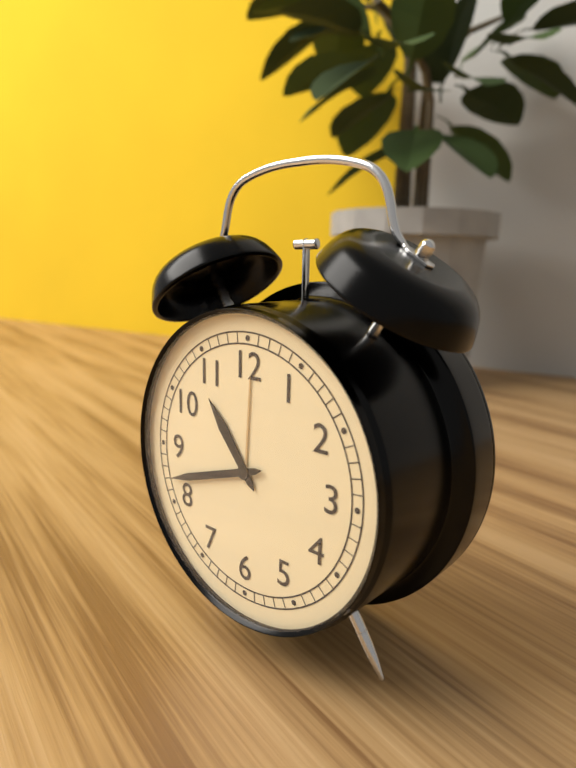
10:42
